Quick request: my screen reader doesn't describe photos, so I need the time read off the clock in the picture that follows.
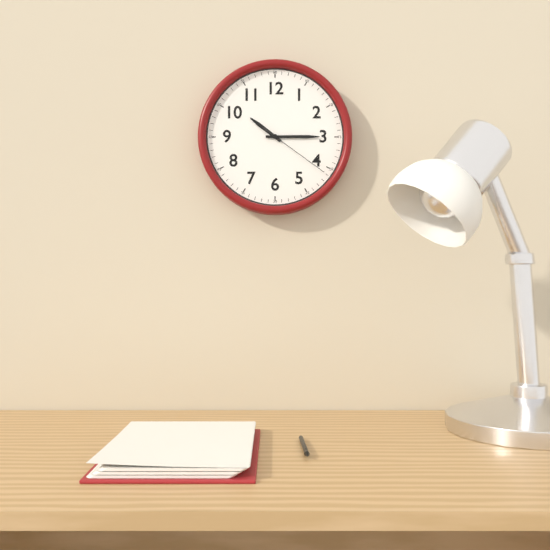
10:15:21
